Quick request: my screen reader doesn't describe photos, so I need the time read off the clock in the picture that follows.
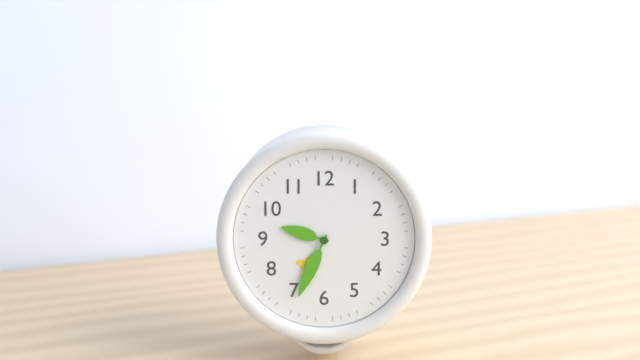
9:34
